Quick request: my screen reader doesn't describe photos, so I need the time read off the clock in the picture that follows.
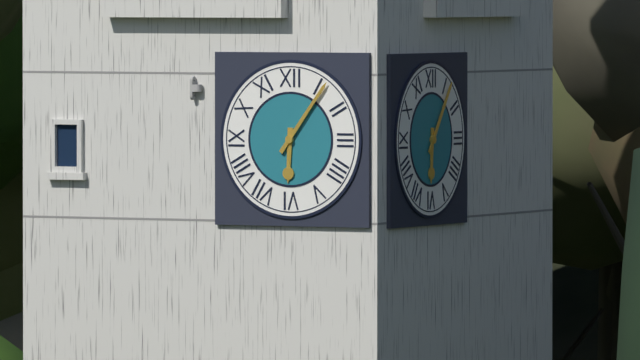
6:06
